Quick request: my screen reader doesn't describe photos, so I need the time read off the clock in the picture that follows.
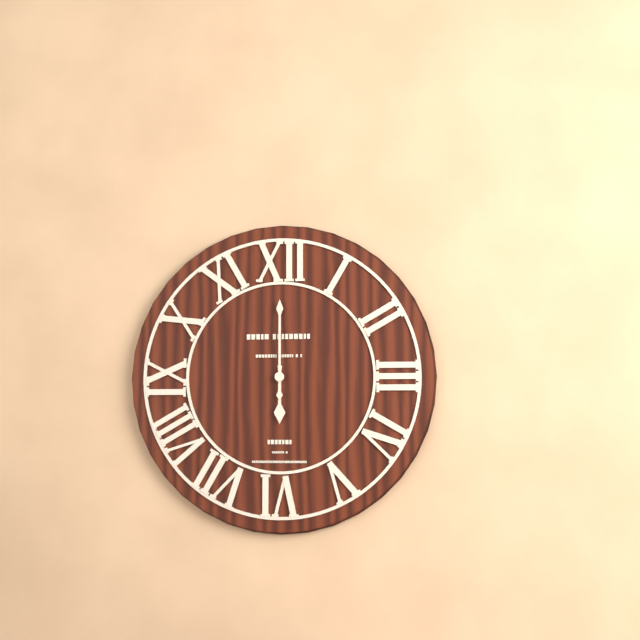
6:00
